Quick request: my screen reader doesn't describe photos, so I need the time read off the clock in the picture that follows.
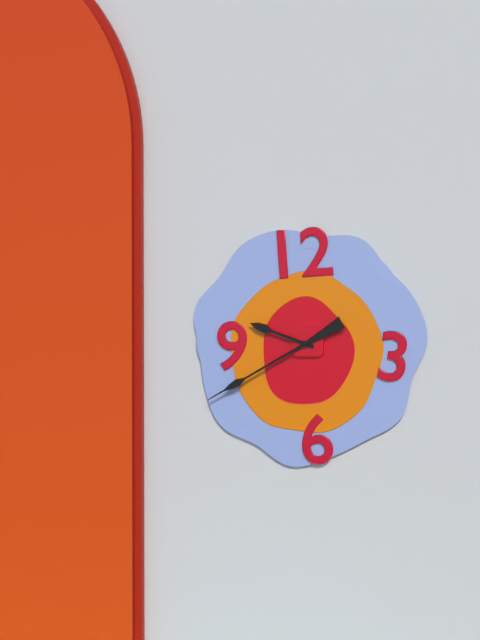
9:40
